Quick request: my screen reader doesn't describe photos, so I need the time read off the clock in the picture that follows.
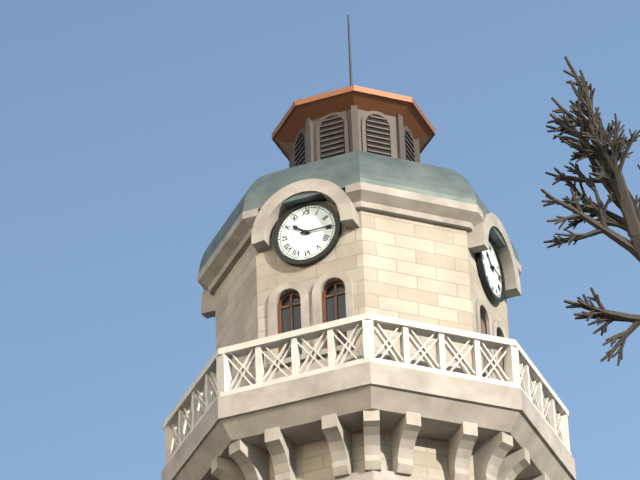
10:15
